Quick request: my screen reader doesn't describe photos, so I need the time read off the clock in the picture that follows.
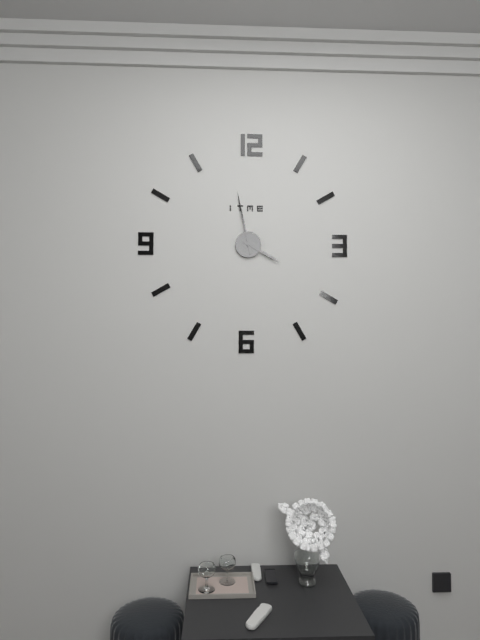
3:58
